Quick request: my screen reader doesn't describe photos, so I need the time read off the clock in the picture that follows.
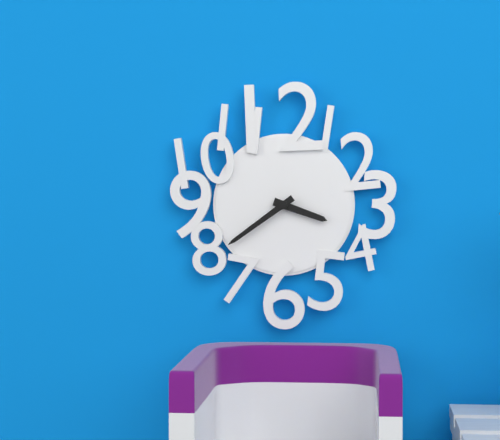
3:39
